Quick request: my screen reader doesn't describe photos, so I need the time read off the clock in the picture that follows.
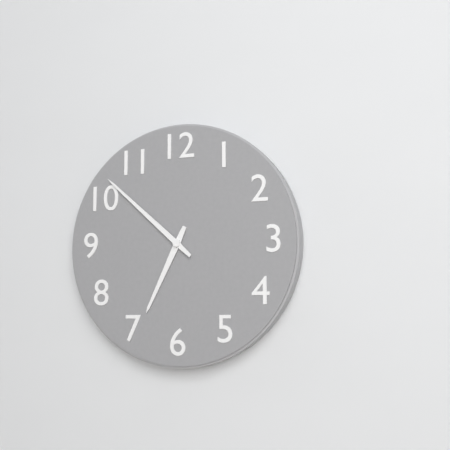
6:52
